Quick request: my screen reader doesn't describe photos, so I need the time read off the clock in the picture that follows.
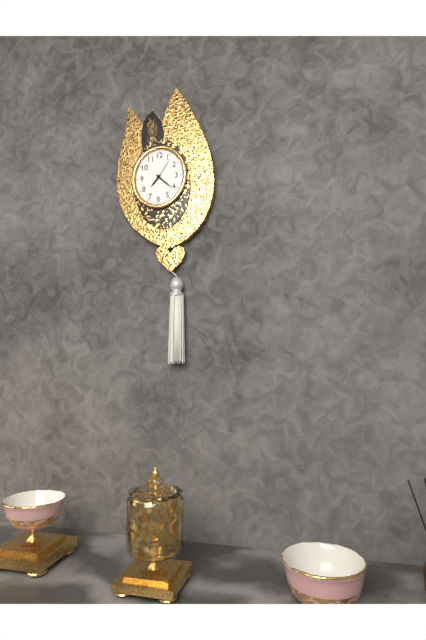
7:22
